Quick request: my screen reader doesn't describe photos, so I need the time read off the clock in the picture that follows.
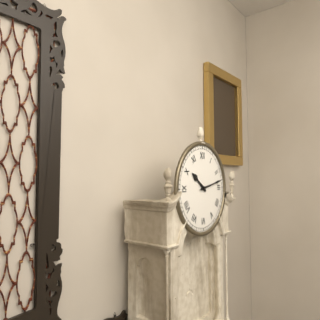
10:13
